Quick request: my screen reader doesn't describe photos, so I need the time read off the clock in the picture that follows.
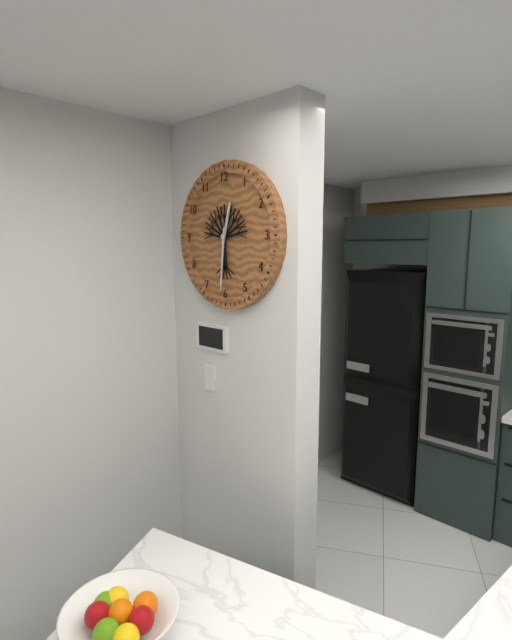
12:31
